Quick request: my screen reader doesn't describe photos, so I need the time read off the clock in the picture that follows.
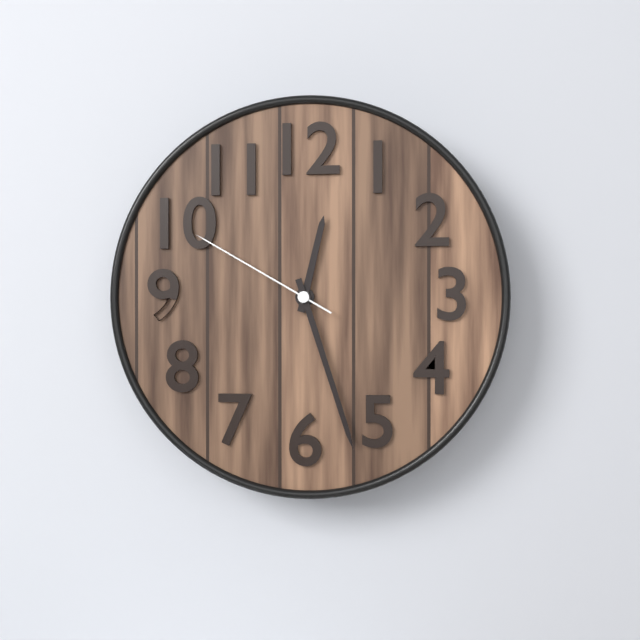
12:27:50
